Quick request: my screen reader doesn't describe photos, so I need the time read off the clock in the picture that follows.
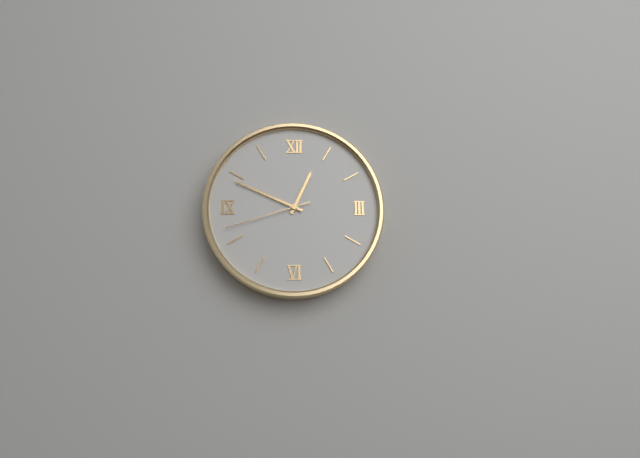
12:49:42
